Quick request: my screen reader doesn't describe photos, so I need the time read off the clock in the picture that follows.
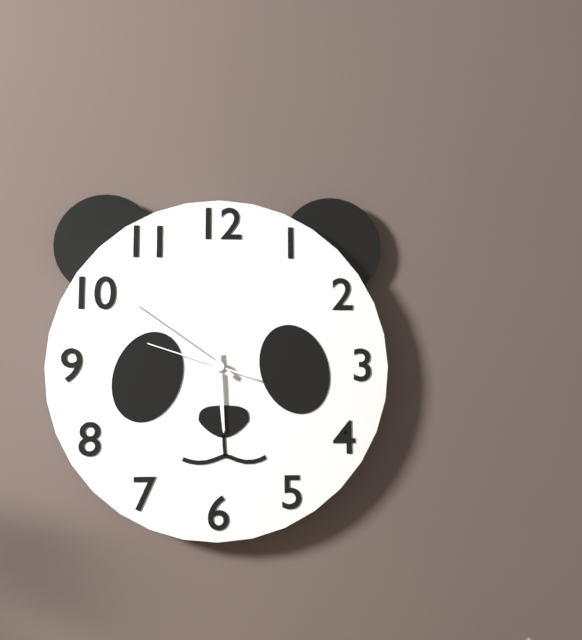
5:51:48
